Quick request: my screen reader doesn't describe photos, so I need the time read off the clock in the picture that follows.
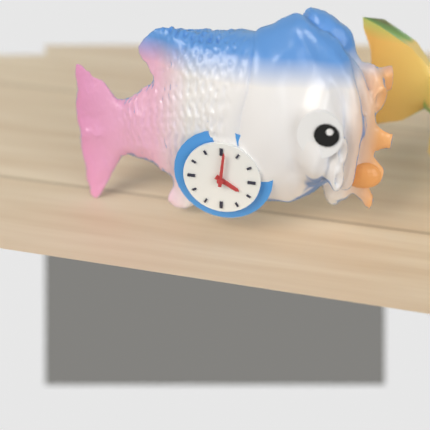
4:01
